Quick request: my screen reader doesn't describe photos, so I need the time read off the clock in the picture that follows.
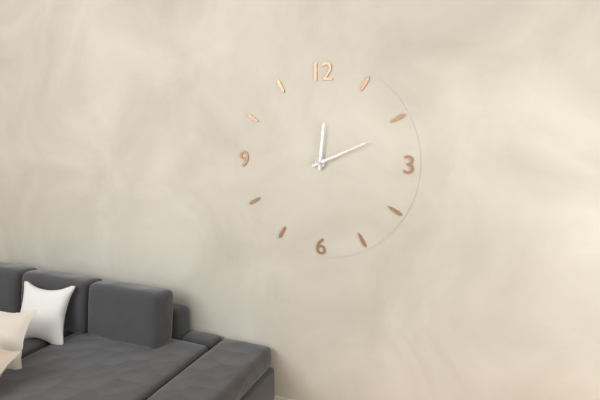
12:11
